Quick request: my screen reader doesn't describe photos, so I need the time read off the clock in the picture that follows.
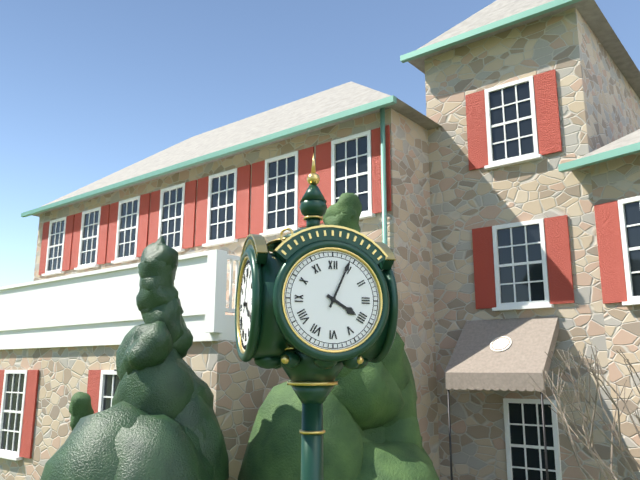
4:04
